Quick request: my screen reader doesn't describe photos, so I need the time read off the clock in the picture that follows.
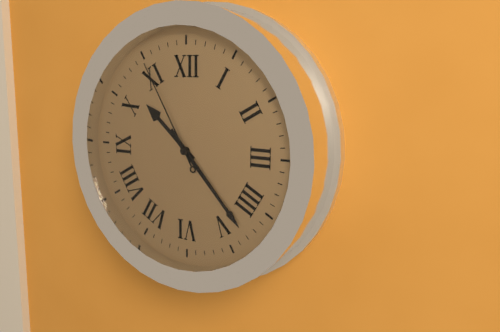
10:23:55
